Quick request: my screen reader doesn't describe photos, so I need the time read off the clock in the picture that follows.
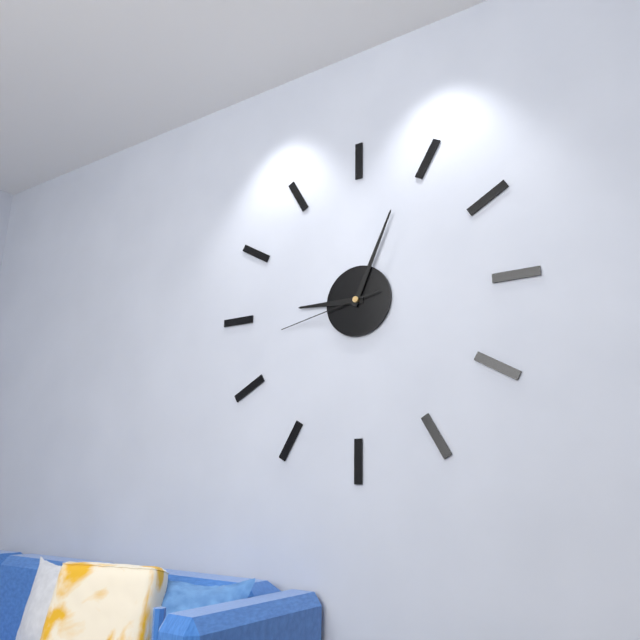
9:04:43
